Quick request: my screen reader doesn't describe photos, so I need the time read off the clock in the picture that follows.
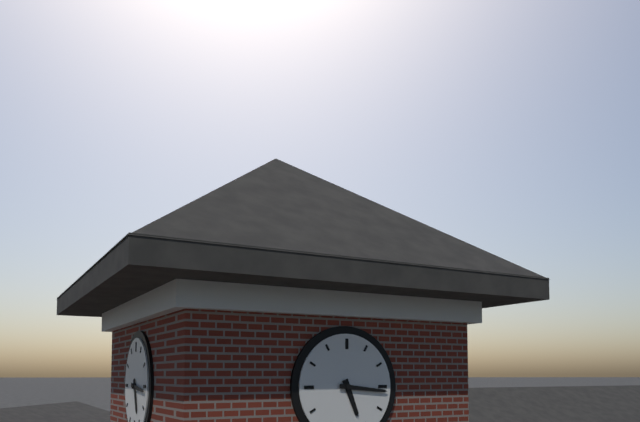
5:16
